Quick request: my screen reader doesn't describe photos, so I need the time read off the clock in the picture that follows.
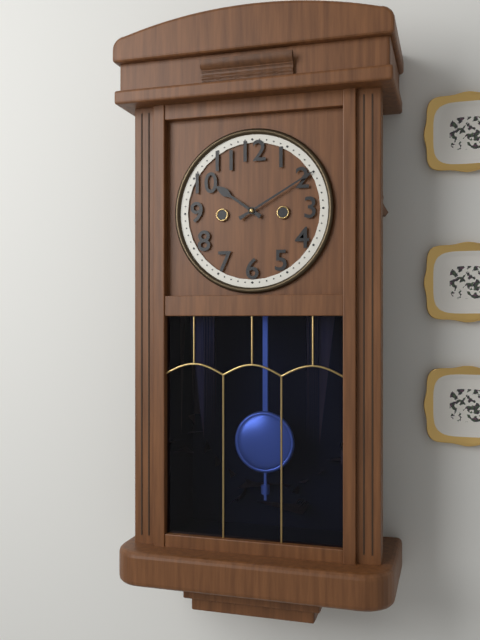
10:10
